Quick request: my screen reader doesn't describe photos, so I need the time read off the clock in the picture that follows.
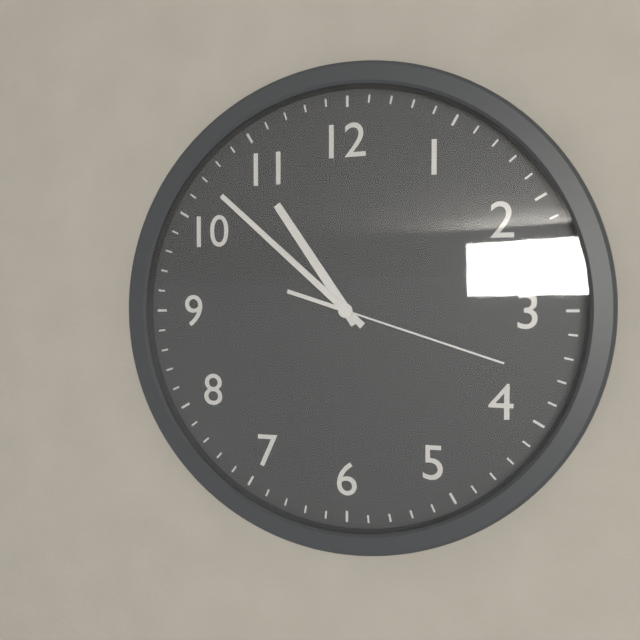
10:52:18
